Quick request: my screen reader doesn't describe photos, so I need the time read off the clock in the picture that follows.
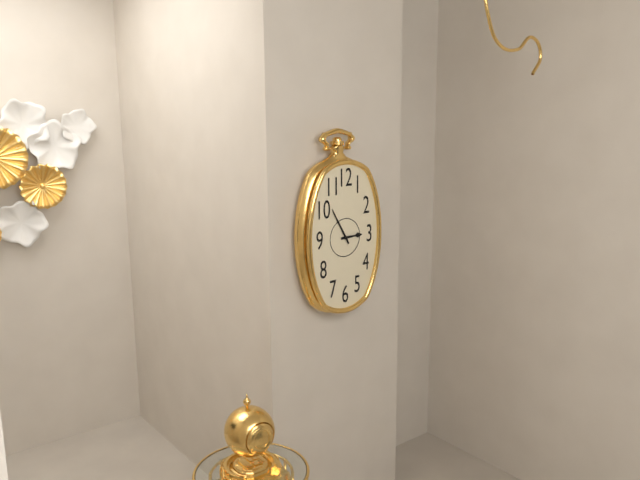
2:55
